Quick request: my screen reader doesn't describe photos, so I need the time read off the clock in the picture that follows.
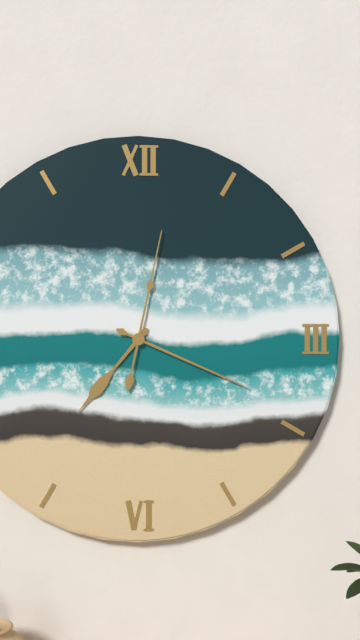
7:19:02
